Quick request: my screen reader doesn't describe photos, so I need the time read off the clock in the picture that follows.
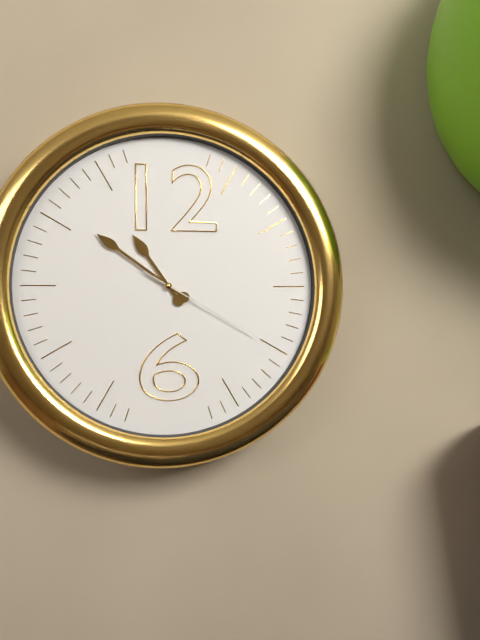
10:51:20
